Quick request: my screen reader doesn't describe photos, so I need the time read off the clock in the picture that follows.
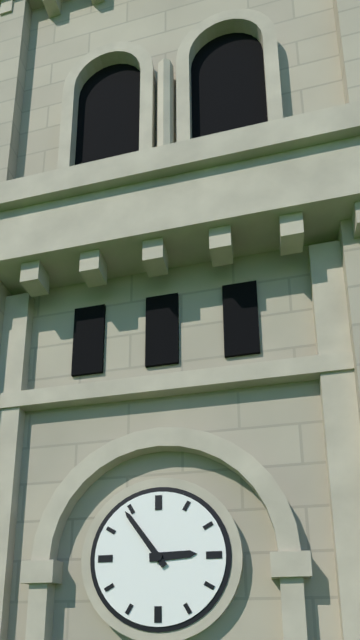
2:54
